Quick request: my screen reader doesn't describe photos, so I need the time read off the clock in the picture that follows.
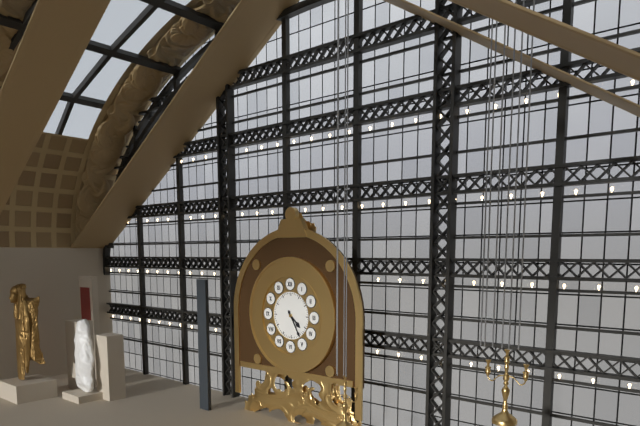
4:25
